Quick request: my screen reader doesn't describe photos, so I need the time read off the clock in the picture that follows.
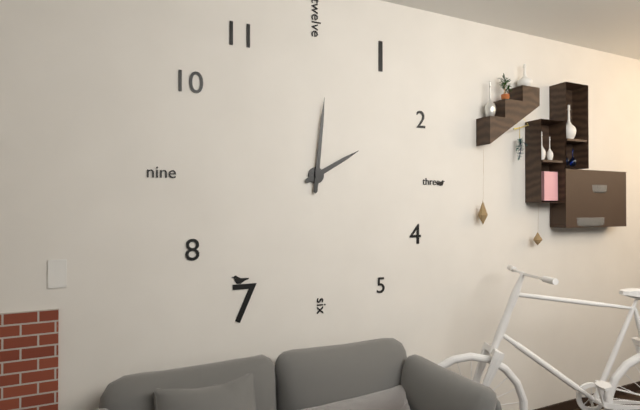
2:01
